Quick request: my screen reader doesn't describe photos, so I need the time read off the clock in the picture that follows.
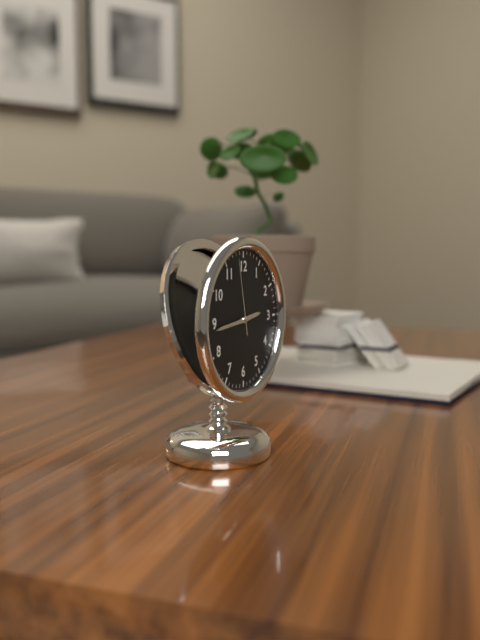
2:44:58
